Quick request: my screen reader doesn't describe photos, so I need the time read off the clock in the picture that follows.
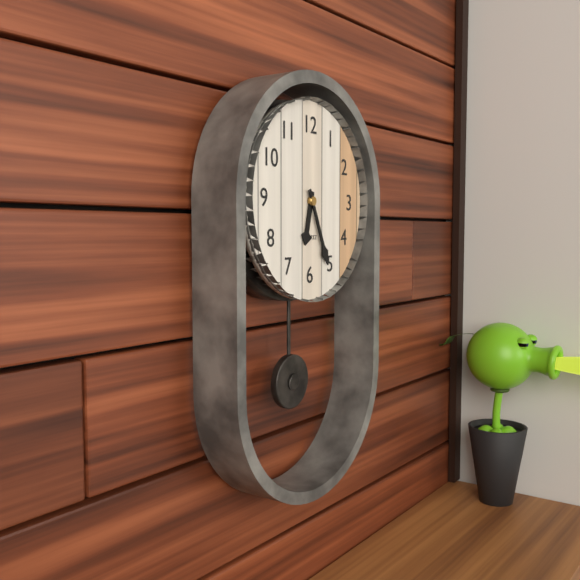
6:26
